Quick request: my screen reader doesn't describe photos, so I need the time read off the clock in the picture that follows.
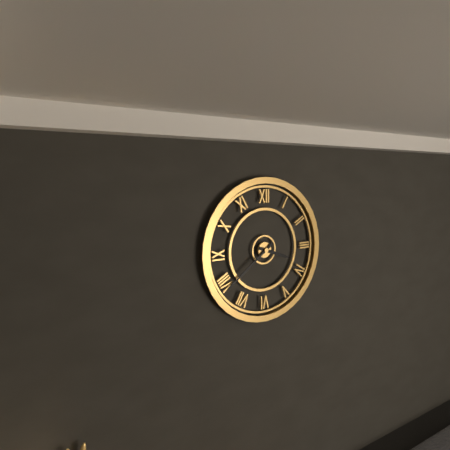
3:39
